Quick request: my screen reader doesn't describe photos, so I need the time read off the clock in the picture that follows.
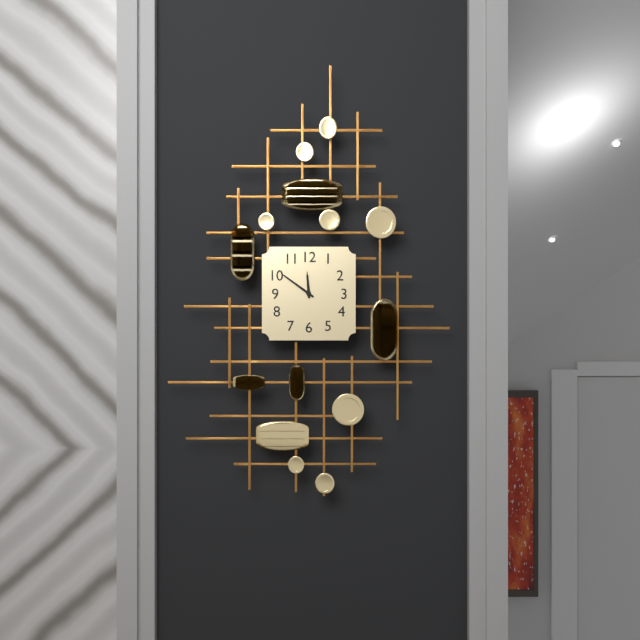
11:51
